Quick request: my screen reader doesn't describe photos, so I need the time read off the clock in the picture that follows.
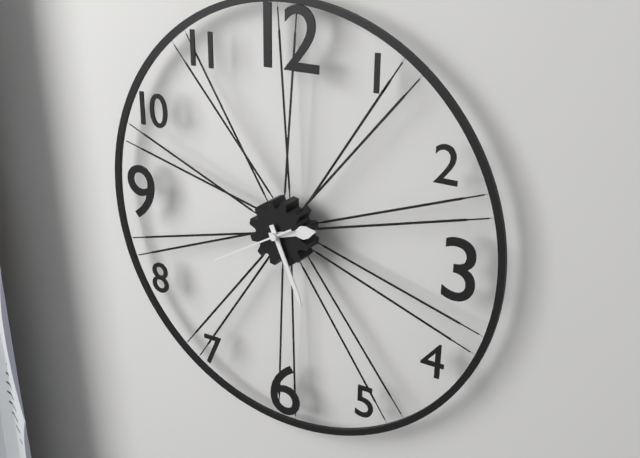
2:26:40
